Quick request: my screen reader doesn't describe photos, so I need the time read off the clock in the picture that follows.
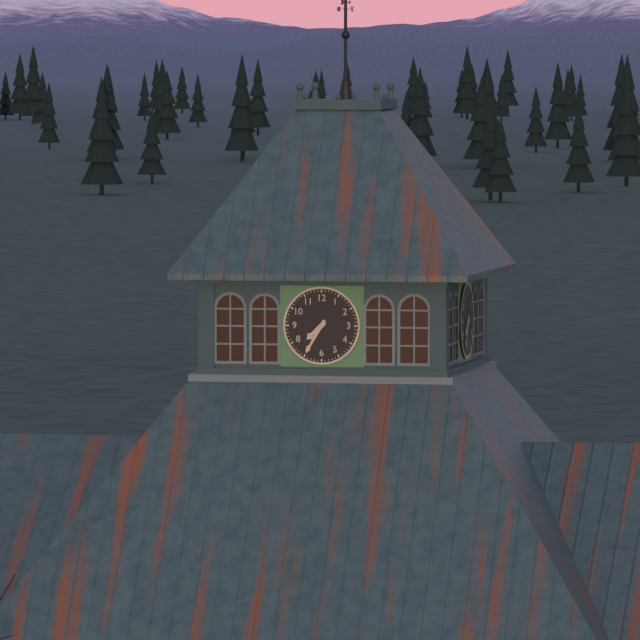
7:35
